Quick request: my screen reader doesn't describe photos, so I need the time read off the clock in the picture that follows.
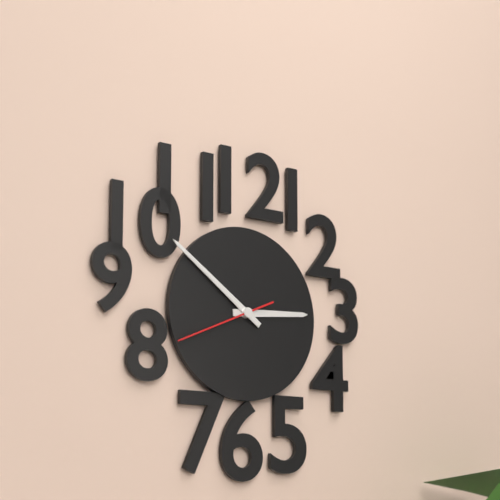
2:51:41
